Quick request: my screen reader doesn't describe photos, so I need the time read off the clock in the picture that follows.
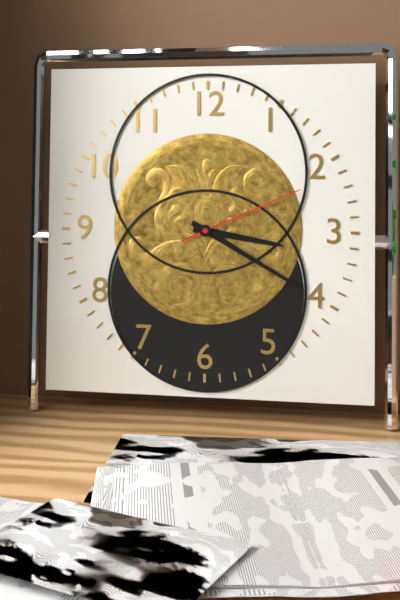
3:20:11
